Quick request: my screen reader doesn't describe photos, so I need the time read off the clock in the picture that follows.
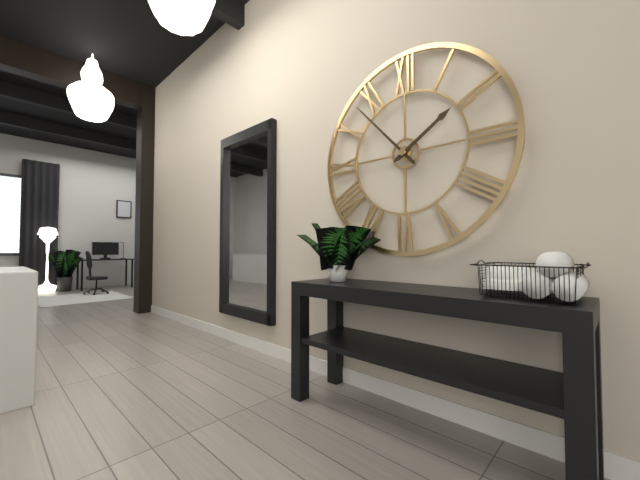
1:53
